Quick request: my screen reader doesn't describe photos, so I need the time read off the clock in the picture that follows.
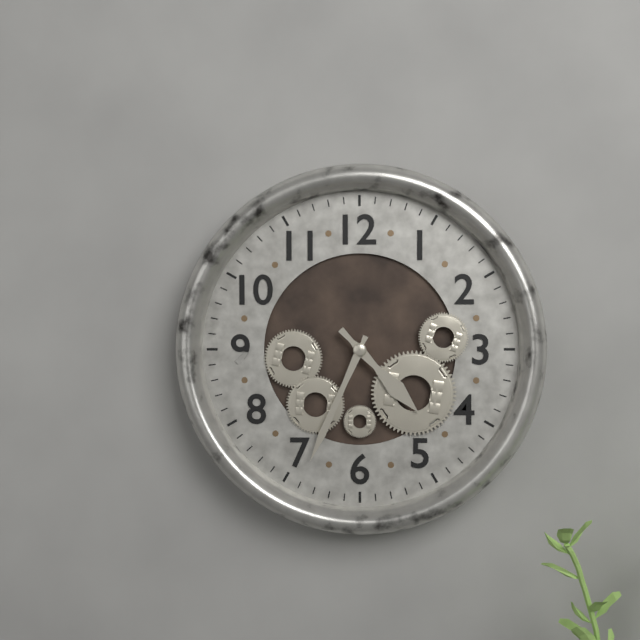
4:34
